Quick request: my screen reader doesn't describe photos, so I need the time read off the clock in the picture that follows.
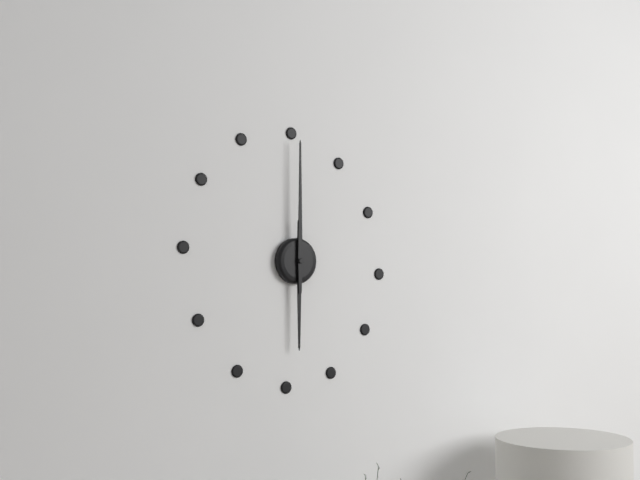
6:00
